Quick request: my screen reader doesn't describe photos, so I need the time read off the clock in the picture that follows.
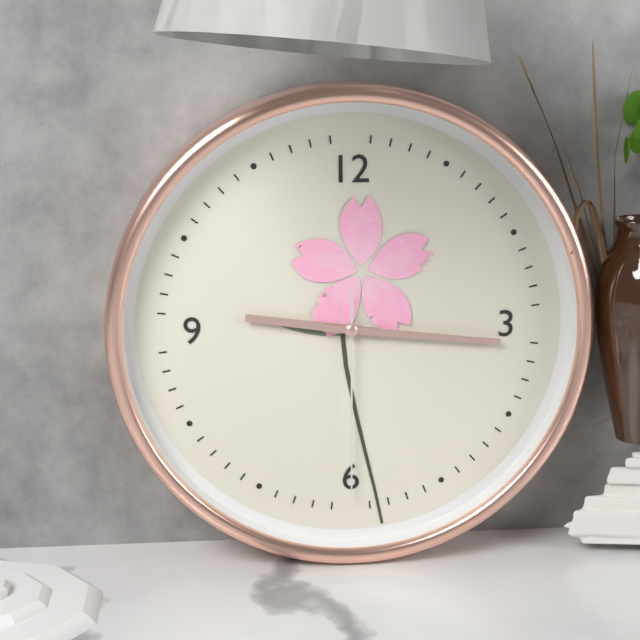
9:16:30
